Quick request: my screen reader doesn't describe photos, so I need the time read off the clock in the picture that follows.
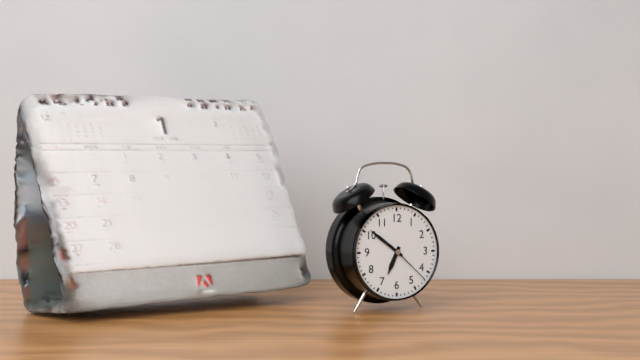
6:51
